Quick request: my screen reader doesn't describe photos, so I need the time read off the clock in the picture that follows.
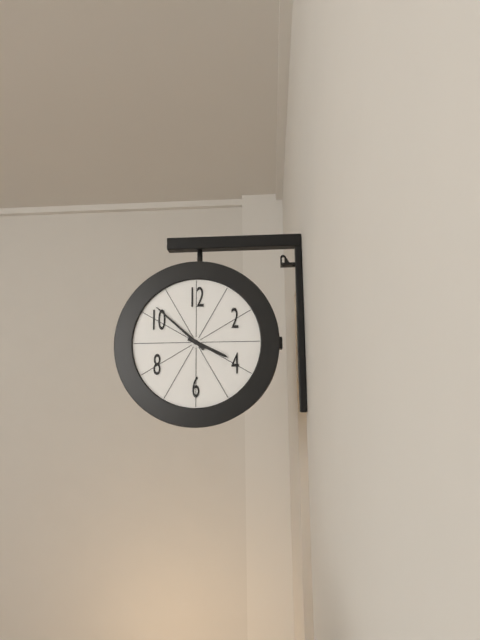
3:52
